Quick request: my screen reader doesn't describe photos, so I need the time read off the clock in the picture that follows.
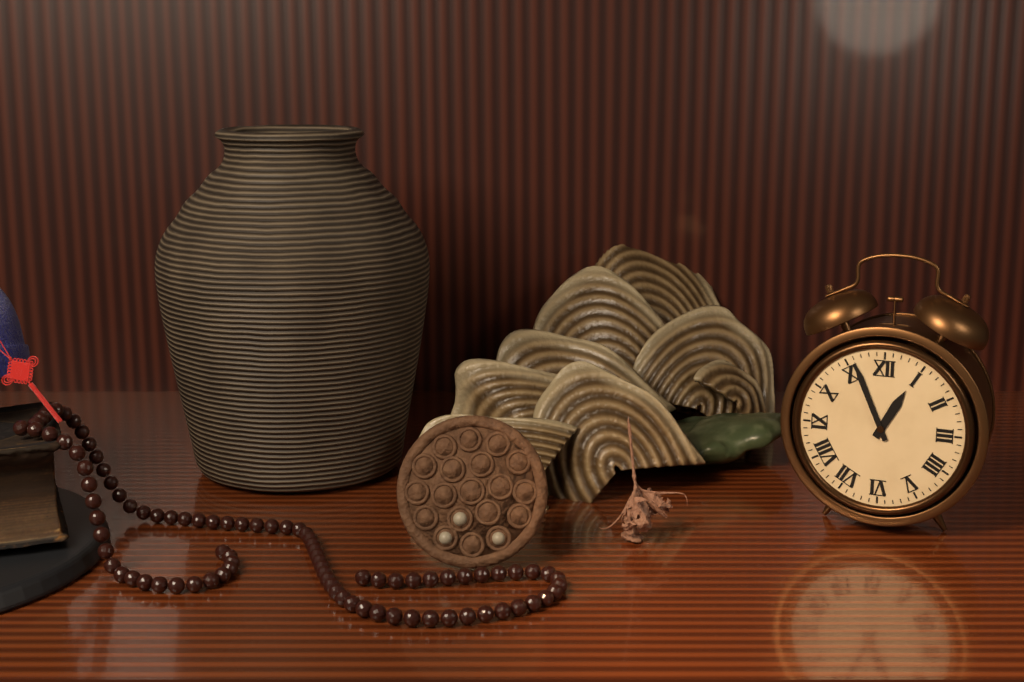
12:56
